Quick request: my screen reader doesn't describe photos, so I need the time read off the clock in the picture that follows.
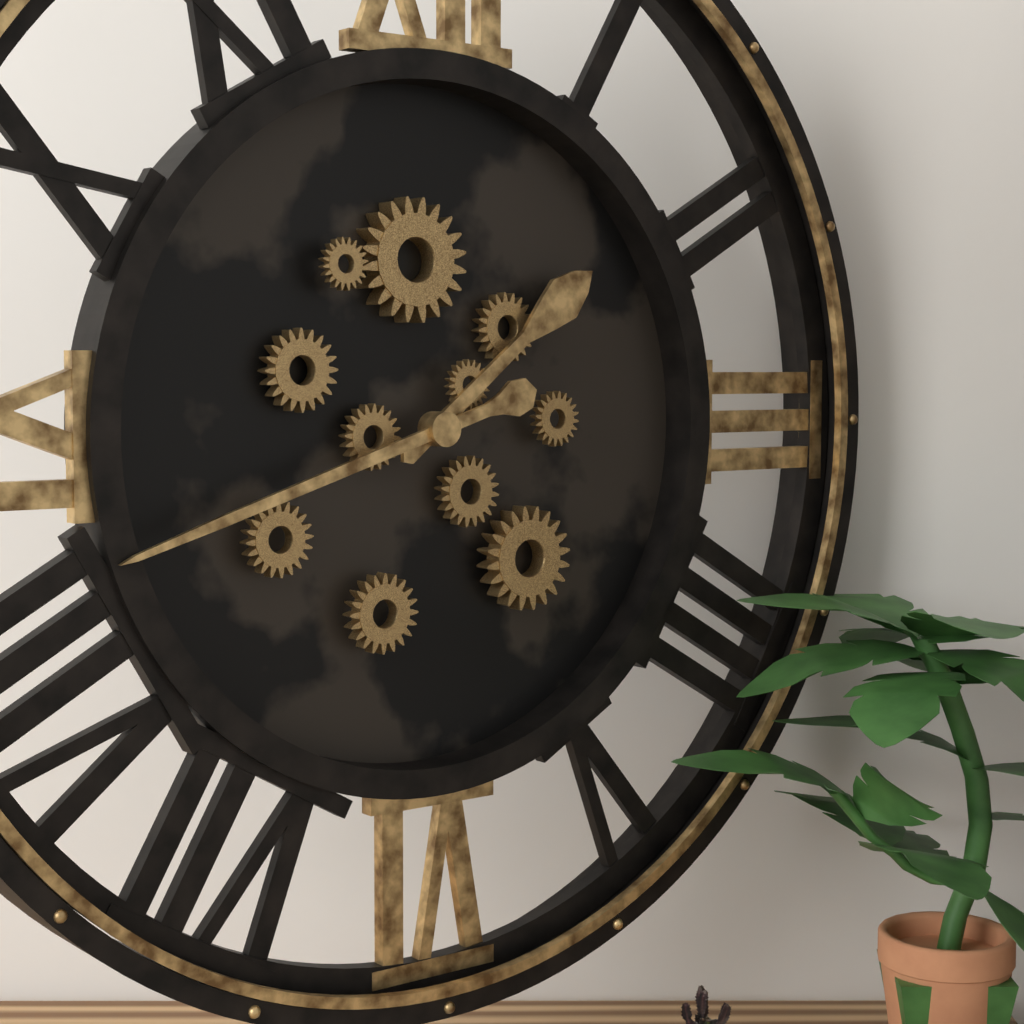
1:42
